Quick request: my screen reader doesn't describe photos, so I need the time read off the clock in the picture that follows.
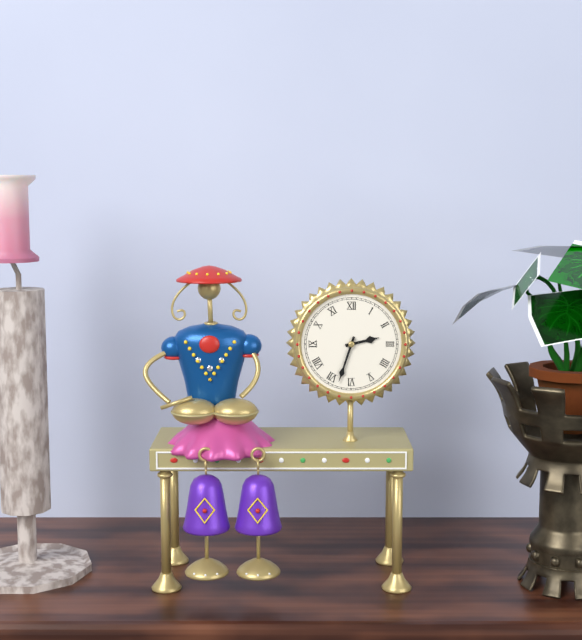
2:33
